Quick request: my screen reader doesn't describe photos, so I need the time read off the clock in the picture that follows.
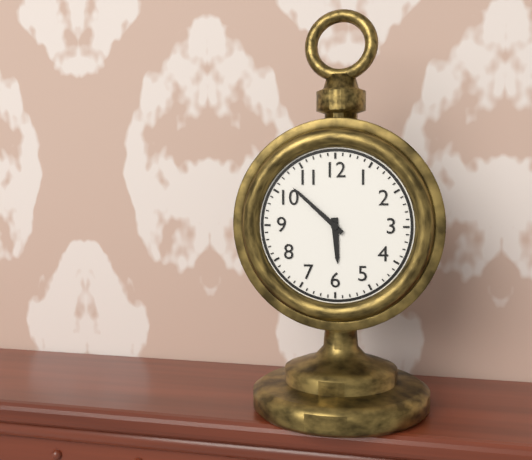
5:52
